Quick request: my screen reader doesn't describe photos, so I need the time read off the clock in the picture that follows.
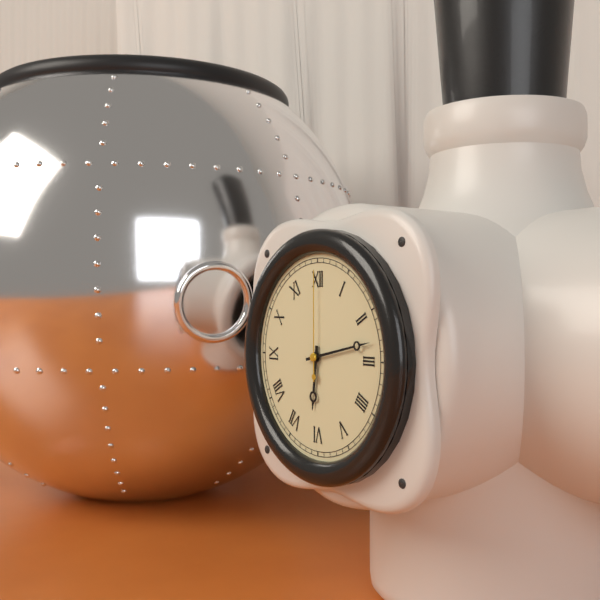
6:13:00
